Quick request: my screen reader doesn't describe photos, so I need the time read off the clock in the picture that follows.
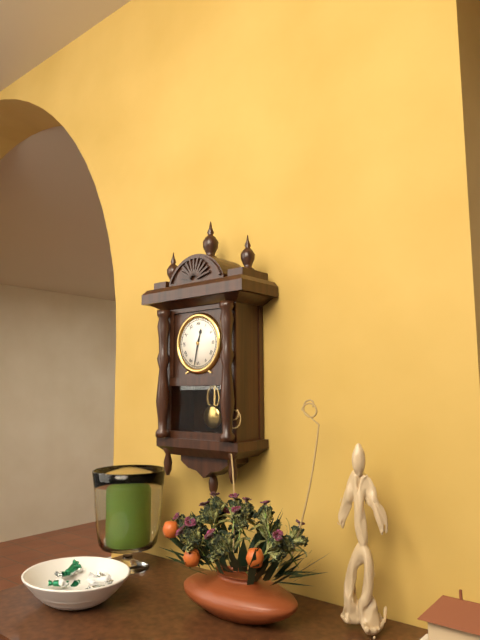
12:32
